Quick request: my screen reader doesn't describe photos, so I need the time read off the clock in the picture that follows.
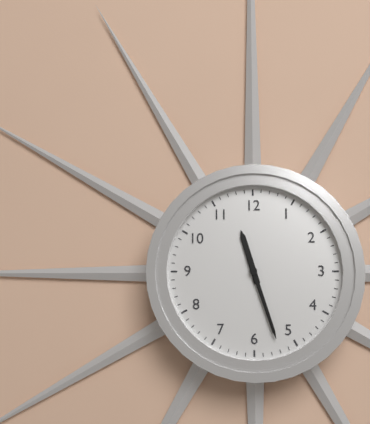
11:27
